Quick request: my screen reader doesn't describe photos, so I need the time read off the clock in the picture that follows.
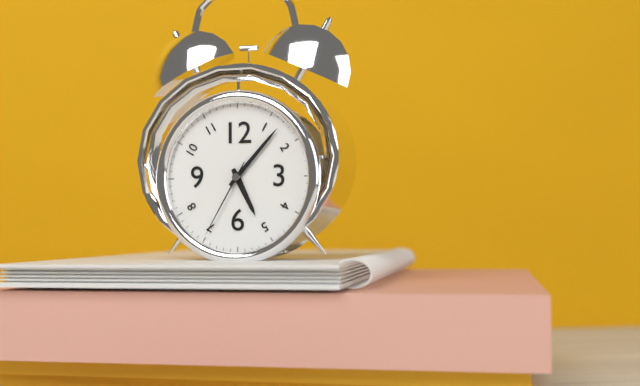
5:07:35
